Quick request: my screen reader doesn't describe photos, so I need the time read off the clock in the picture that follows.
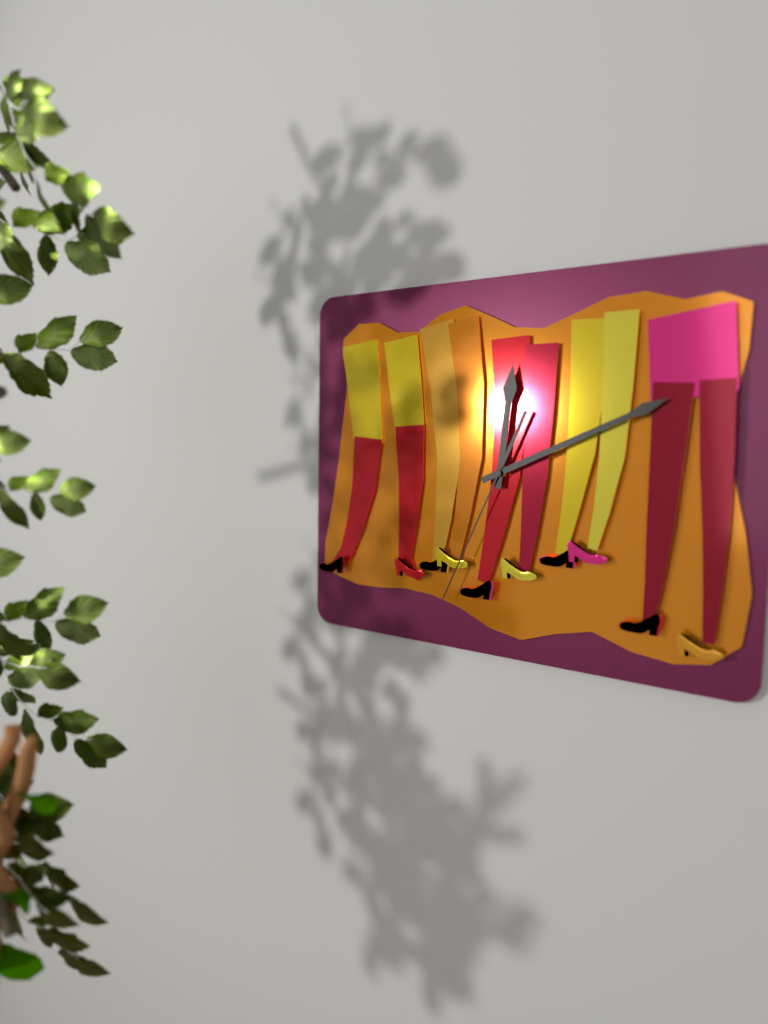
12:11:34
